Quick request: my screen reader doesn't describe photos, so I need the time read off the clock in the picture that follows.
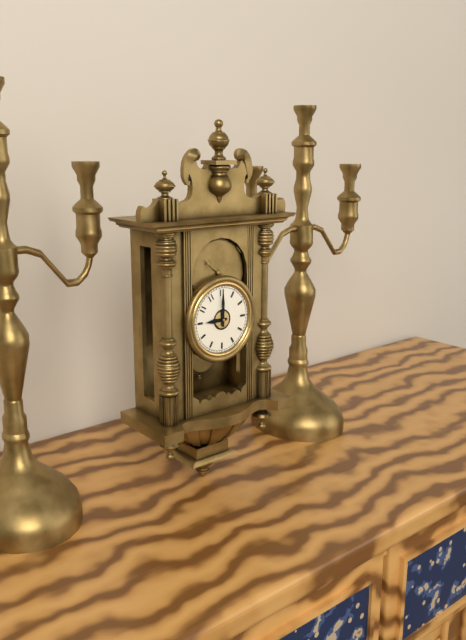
9:00
